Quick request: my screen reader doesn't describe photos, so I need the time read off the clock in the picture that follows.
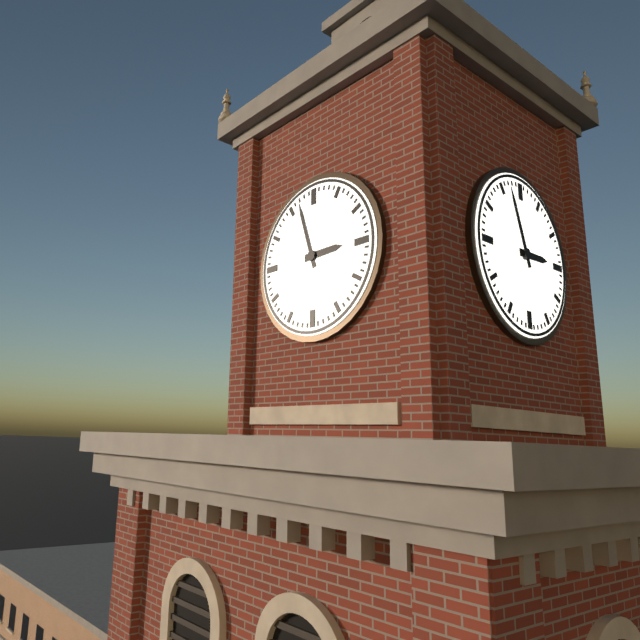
2:57
